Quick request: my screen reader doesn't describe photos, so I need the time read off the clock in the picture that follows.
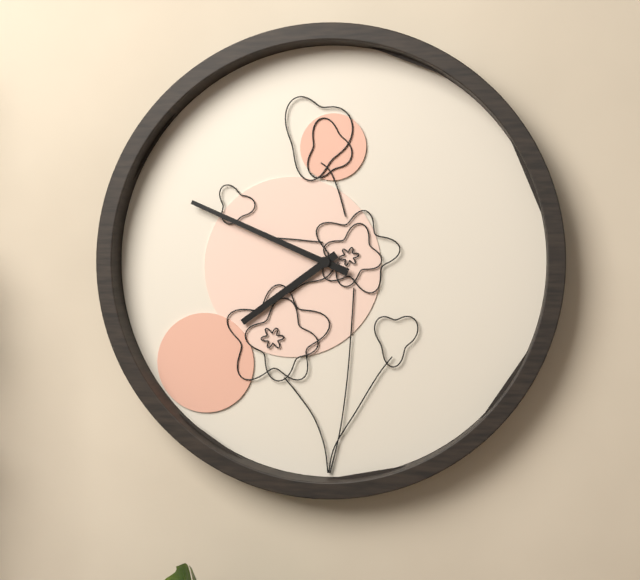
7:49
